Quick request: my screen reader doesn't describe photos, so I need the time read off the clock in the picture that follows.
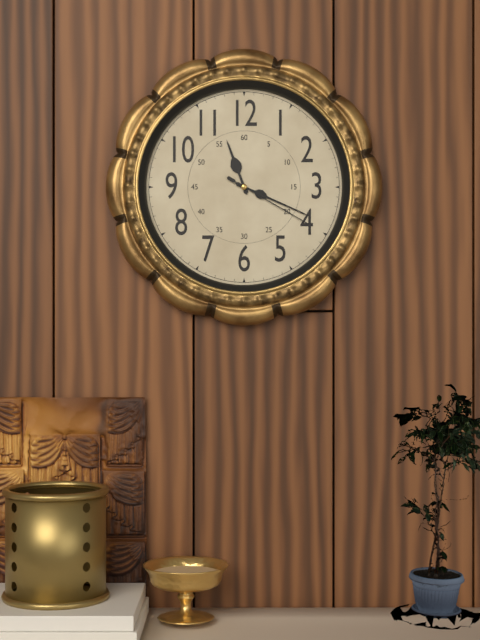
11:19:20
